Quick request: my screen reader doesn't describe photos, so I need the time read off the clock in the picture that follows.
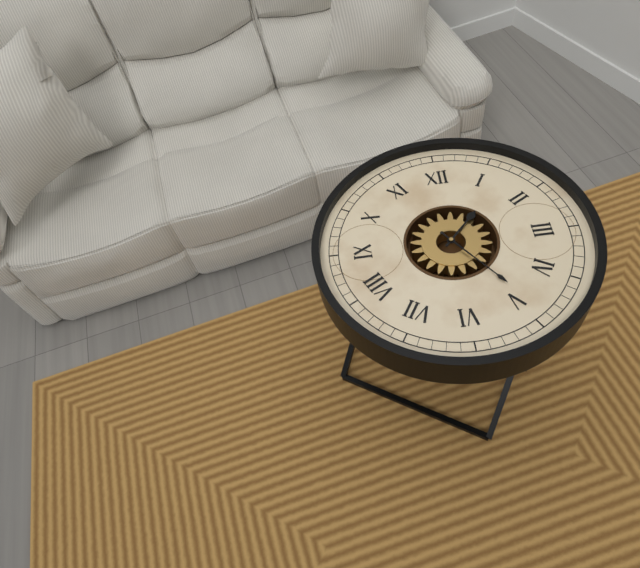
1:24
